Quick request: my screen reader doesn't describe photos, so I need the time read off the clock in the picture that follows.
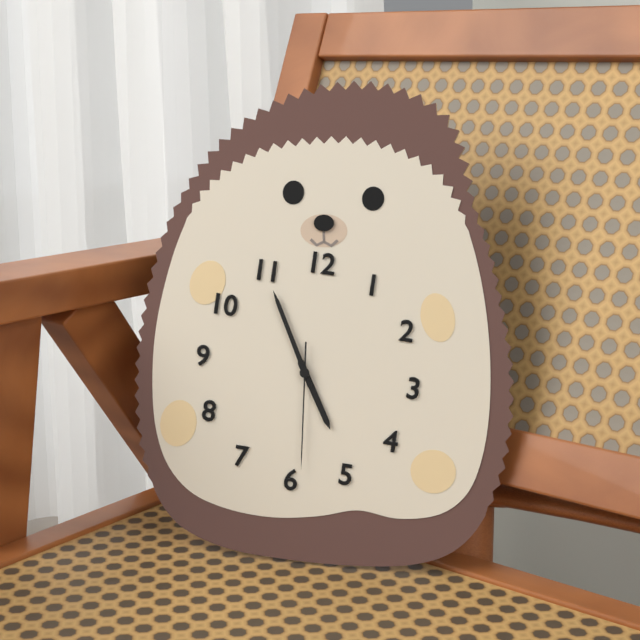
4:55:29
